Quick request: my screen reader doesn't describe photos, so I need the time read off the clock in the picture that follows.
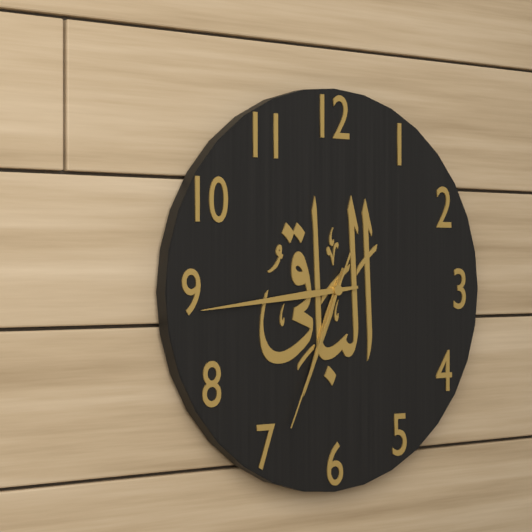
6:44:34
